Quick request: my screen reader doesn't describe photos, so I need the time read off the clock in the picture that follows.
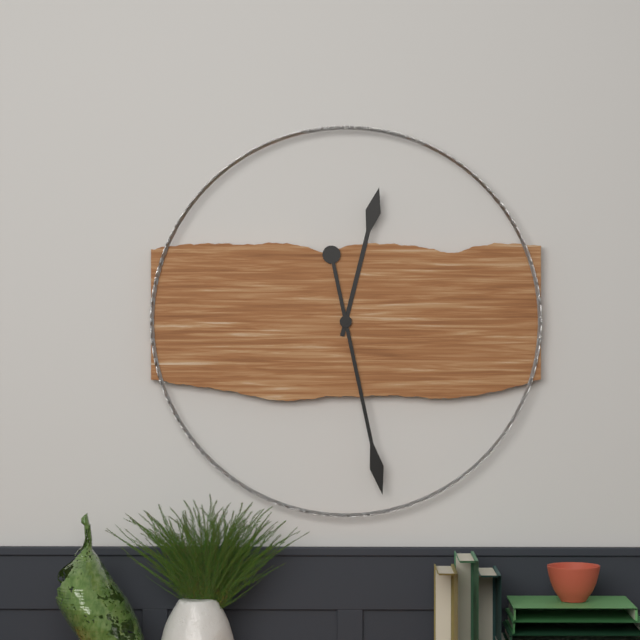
12:28
